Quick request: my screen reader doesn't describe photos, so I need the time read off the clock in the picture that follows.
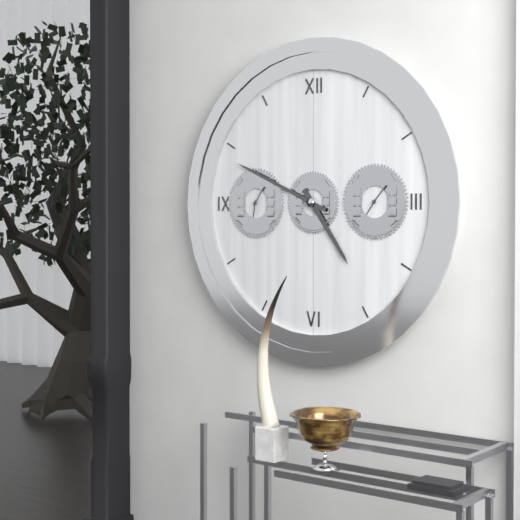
4:49
